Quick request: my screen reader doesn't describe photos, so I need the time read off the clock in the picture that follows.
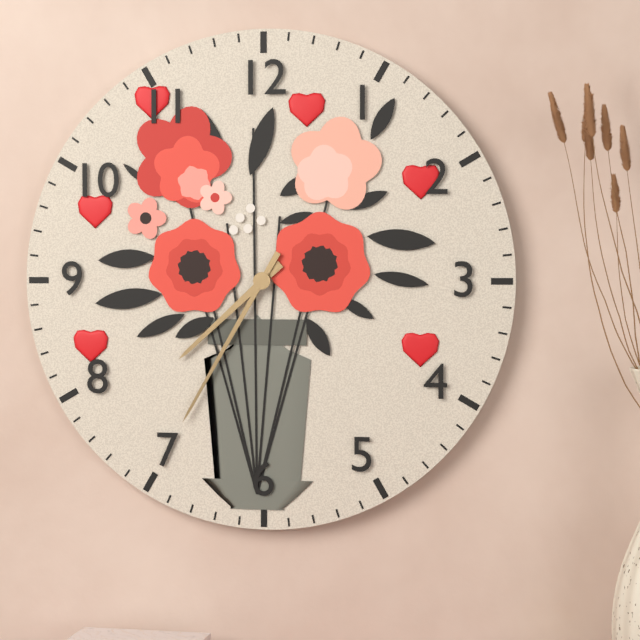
7:35
